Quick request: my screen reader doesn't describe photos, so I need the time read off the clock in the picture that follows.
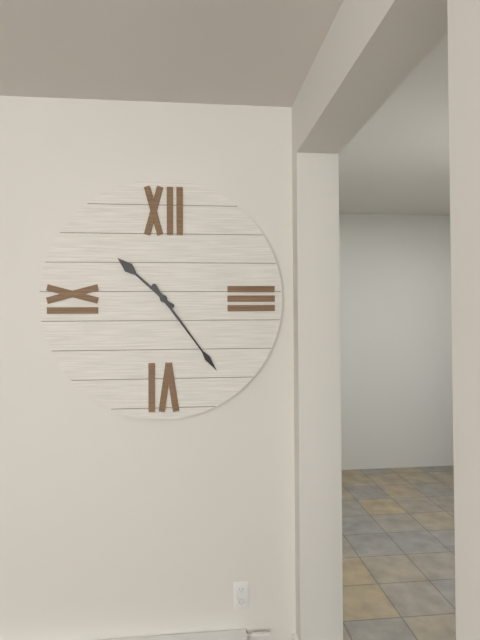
10:24
